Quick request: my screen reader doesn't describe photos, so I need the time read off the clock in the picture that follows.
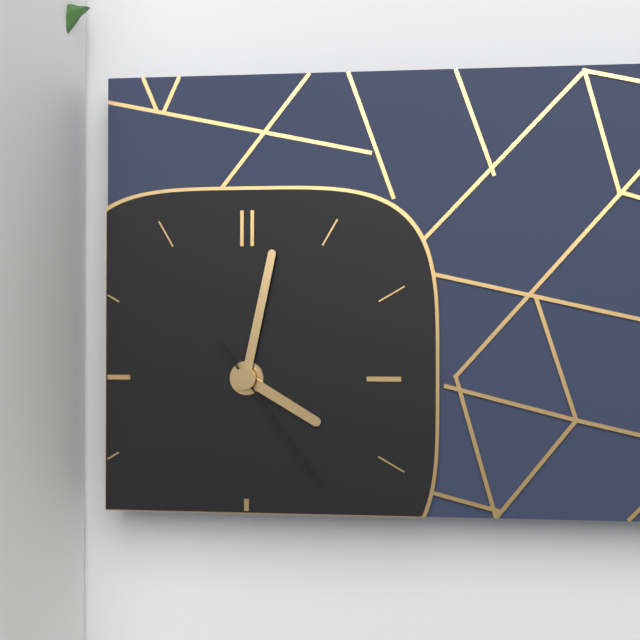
4:02:24
